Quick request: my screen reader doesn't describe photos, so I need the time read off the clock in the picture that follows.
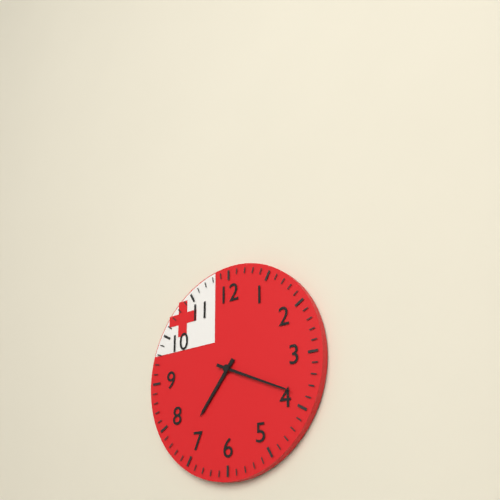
7:19
